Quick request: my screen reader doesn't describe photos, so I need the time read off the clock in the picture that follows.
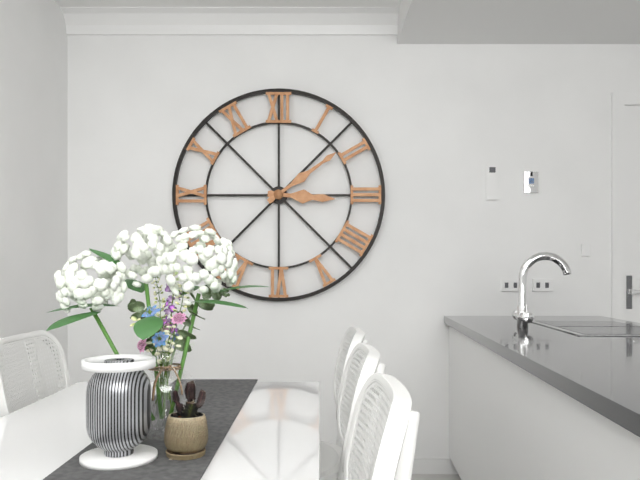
3:09
